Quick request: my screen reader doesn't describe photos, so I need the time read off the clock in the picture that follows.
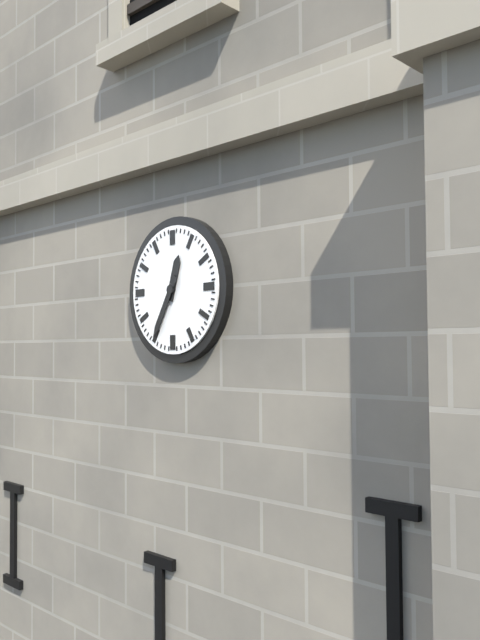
12:35
